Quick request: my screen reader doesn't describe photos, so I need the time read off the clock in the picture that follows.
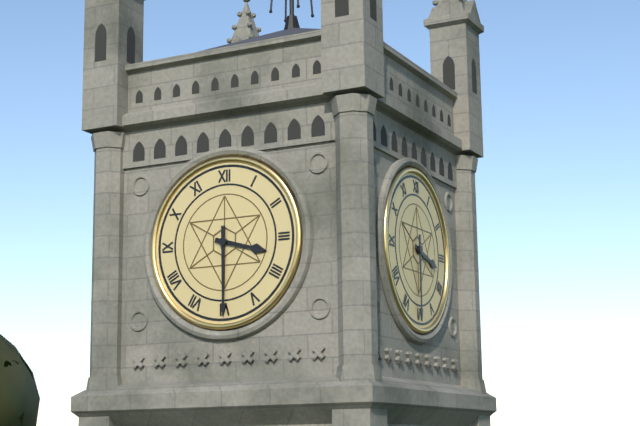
3:30
